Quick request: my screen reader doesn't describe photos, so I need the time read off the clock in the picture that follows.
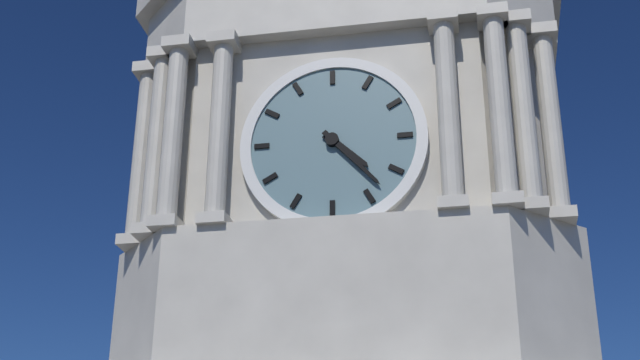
4:23
